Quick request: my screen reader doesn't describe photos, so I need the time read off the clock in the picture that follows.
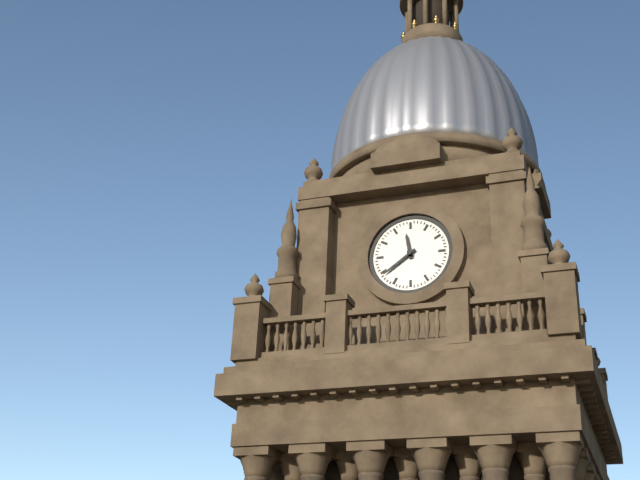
11:39
